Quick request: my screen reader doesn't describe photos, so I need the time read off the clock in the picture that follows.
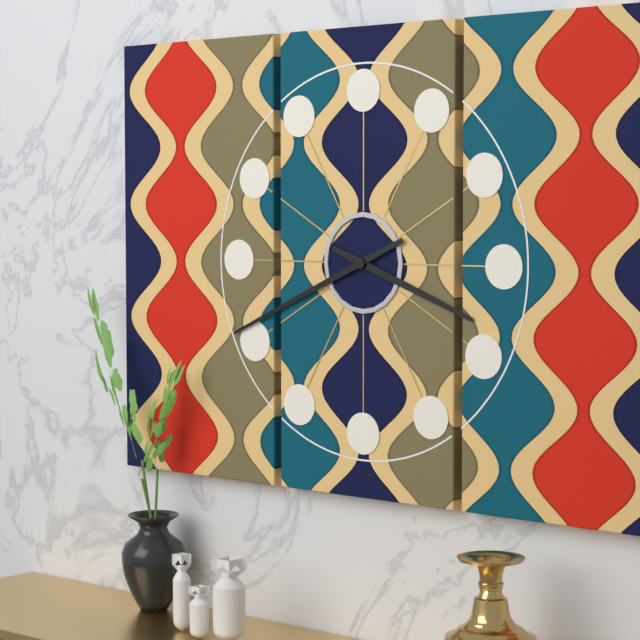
3:41
